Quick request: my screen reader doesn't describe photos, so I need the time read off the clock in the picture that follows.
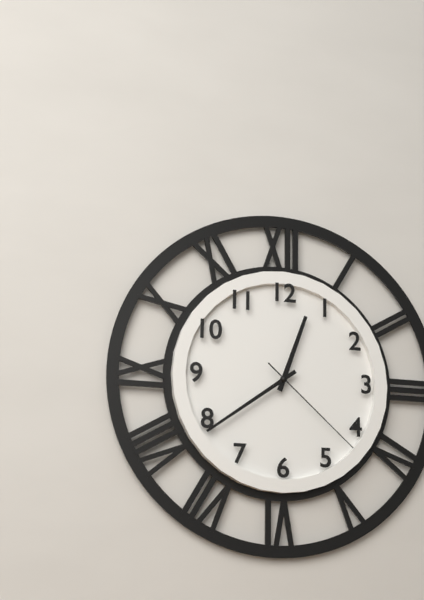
12:39:22
